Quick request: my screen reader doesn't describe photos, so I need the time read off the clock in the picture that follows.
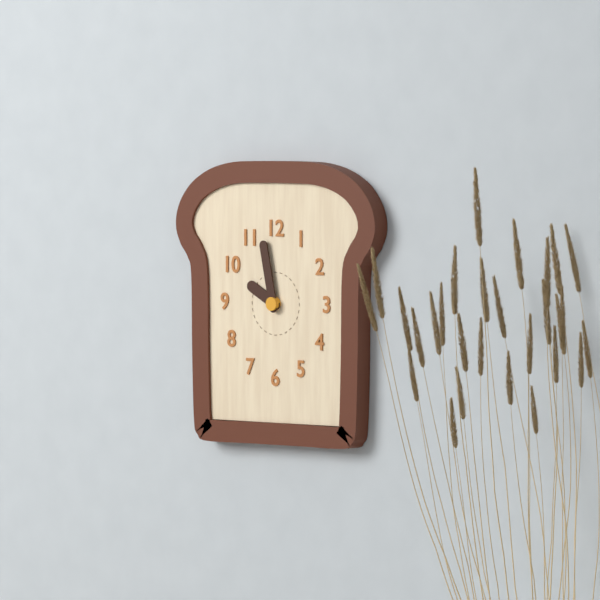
9:58
